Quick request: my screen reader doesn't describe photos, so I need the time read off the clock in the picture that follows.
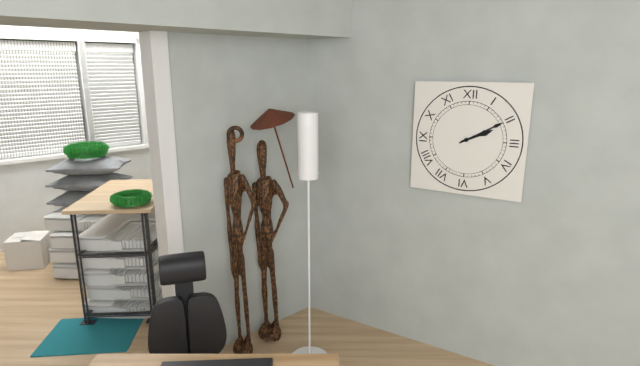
2:10
